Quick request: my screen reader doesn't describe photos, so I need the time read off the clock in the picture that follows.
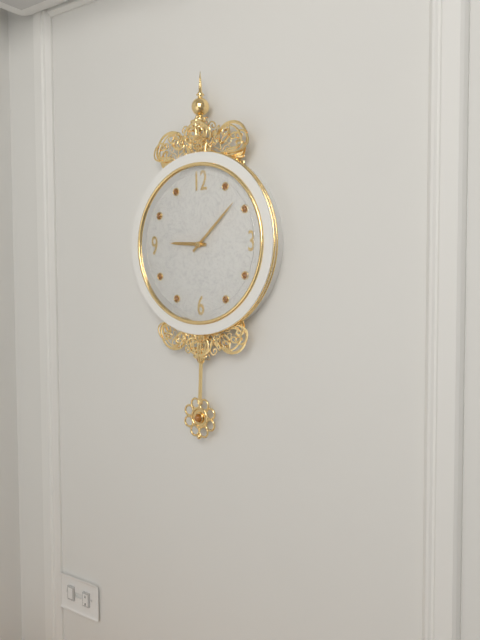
9:08
